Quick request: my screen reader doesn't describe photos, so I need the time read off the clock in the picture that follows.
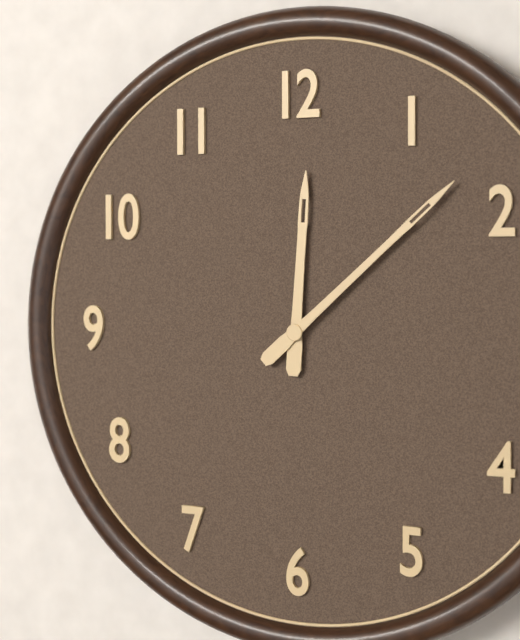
12:08
